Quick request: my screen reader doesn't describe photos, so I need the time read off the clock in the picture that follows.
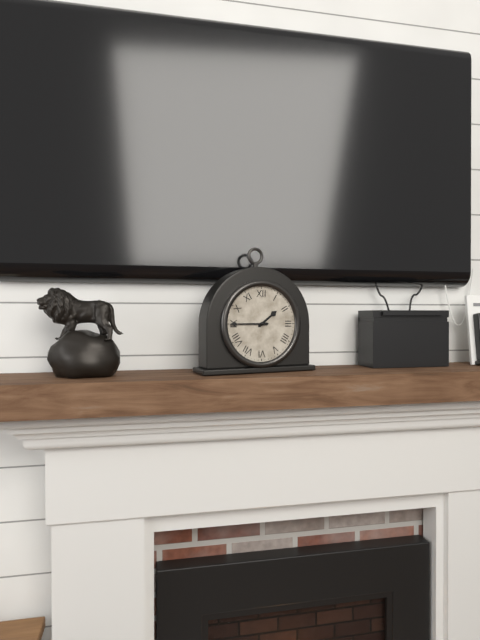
1:45
